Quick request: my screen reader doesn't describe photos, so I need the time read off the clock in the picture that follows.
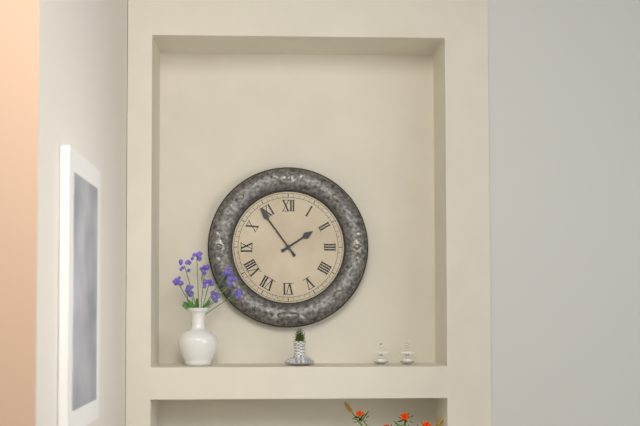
1:54
